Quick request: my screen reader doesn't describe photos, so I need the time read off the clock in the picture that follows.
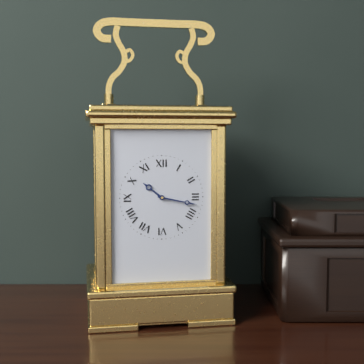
10:17
